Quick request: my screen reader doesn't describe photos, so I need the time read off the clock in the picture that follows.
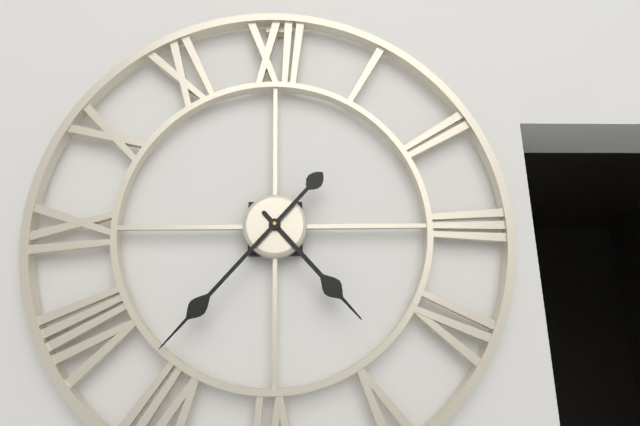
4:37
